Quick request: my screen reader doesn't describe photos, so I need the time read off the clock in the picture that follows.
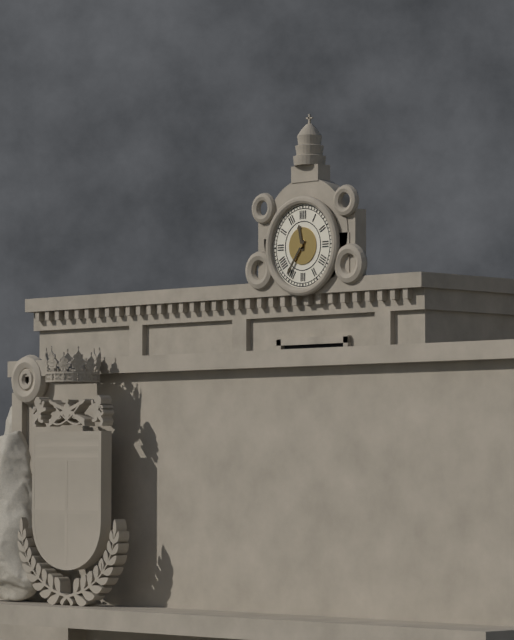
11:36
